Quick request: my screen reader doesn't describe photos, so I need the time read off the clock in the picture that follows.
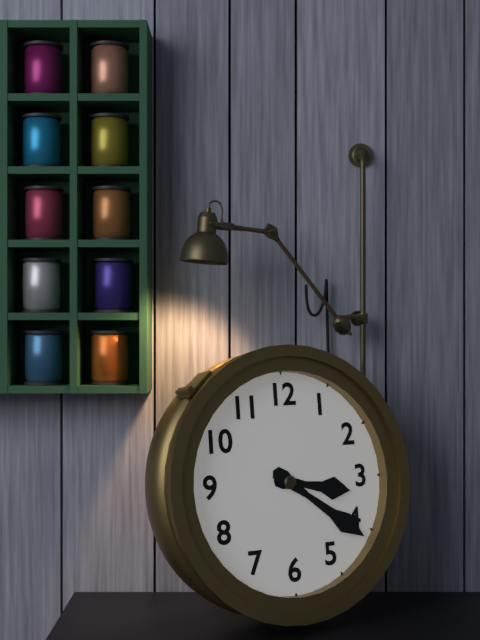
3:21
